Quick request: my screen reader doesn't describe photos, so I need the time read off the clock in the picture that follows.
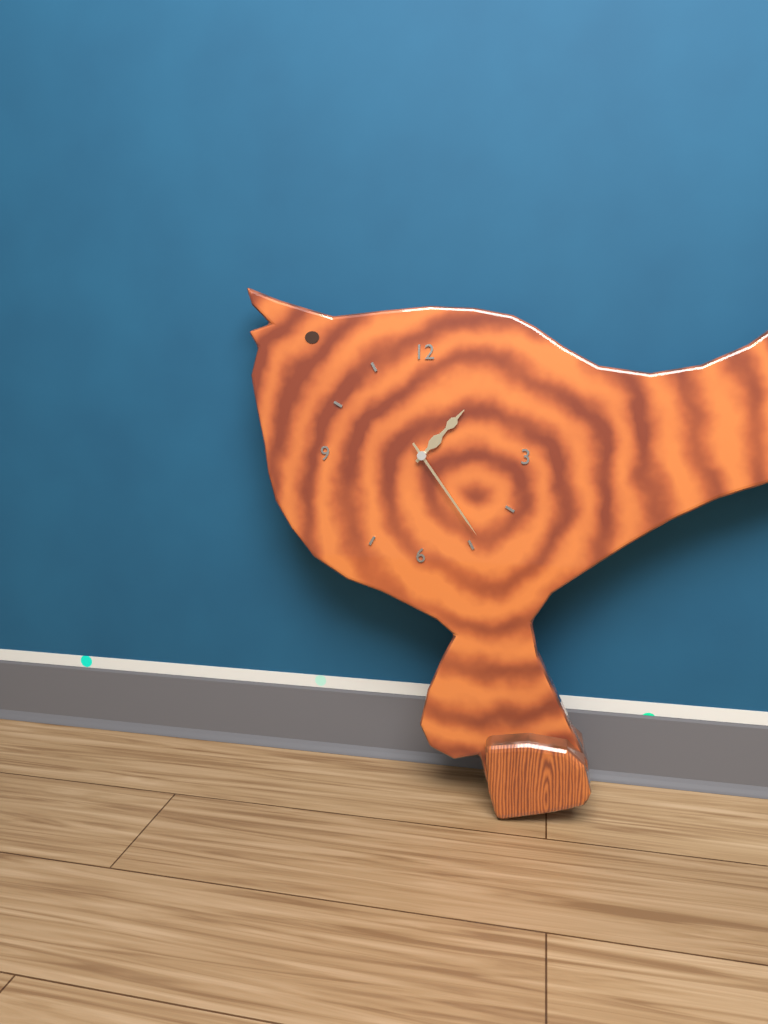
1:24
